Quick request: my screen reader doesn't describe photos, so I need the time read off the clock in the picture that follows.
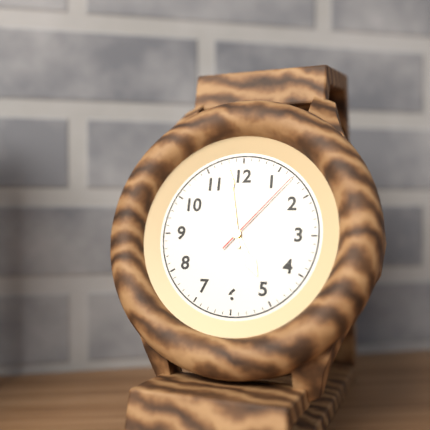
4:58:07
